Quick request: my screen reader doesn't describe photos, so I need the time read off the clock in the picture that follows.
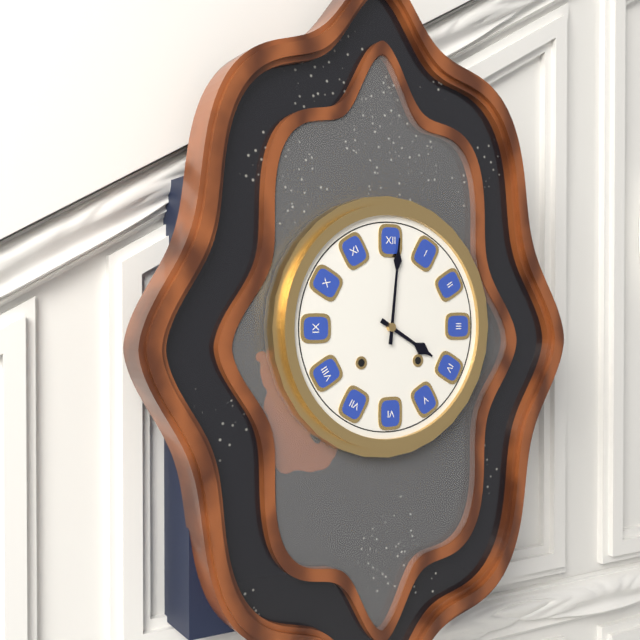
4:01
